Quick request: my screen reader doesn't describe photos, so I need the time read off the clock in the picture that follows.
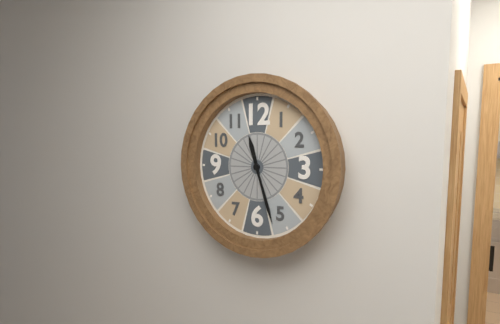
11:27
